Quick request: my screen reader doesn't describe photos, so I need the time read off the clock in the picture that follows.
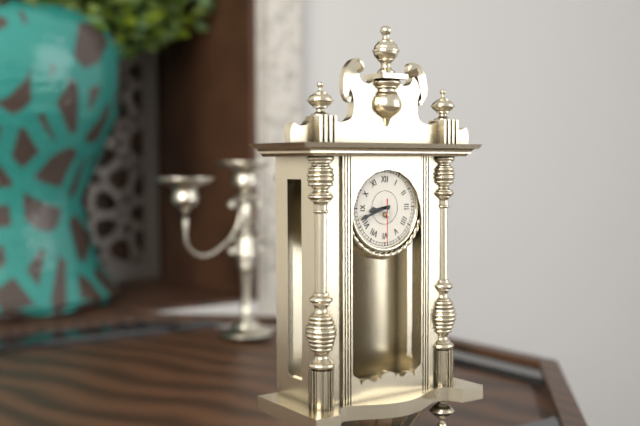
8:42
